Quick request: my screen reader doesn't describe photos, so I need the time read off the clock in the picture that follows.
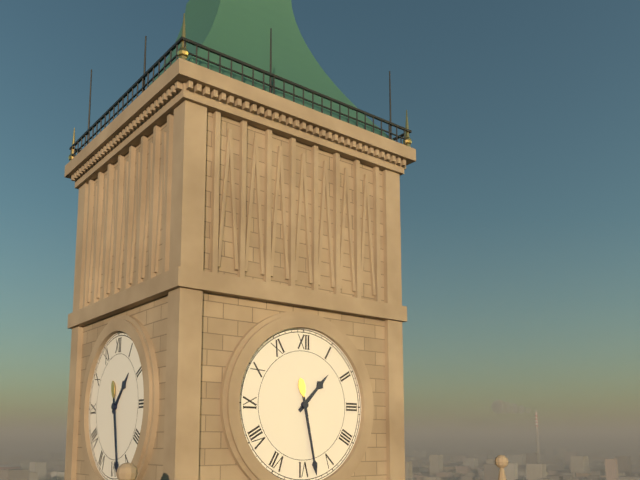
1:28
